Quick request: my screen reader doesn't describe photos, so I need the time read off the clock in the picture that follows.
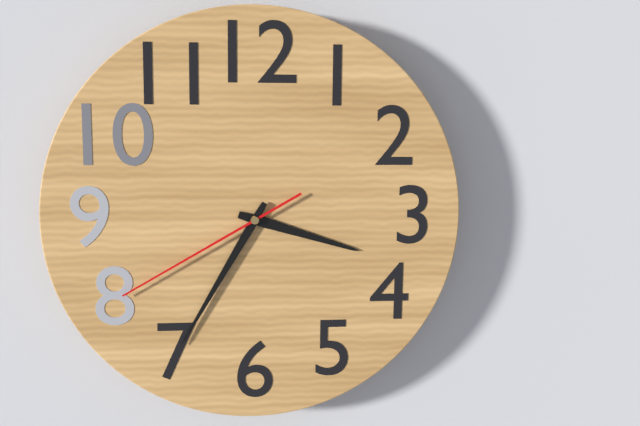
3:35:40
